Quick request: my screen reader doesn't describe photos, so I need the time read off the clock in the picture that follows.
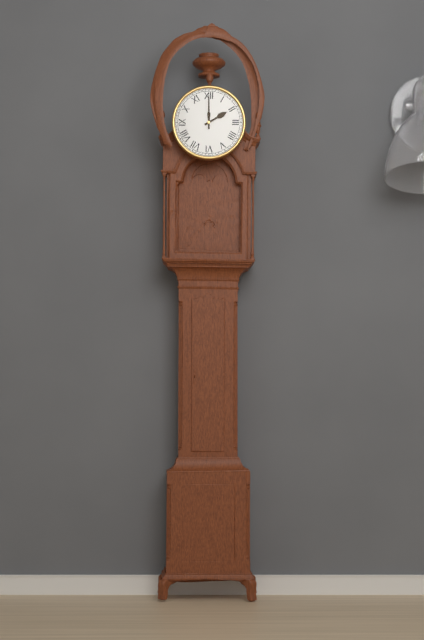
2:00
